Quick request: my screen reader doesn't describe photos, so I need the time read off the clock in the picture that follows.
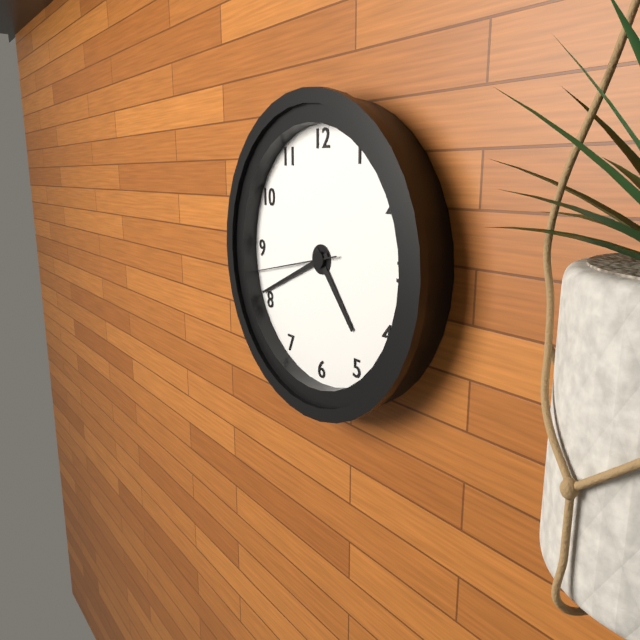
4:41:43
